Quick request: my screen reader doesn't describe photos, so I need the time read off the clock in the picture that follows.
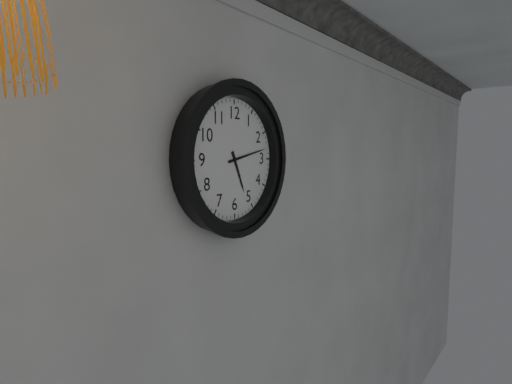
5:13
